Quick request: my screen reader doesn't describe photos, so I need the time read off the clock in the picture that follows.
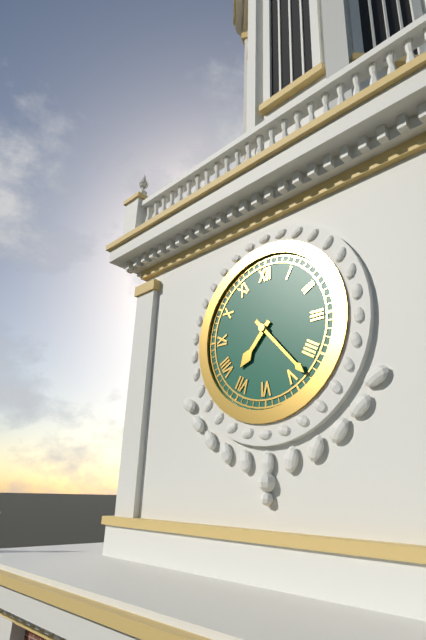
7:23
